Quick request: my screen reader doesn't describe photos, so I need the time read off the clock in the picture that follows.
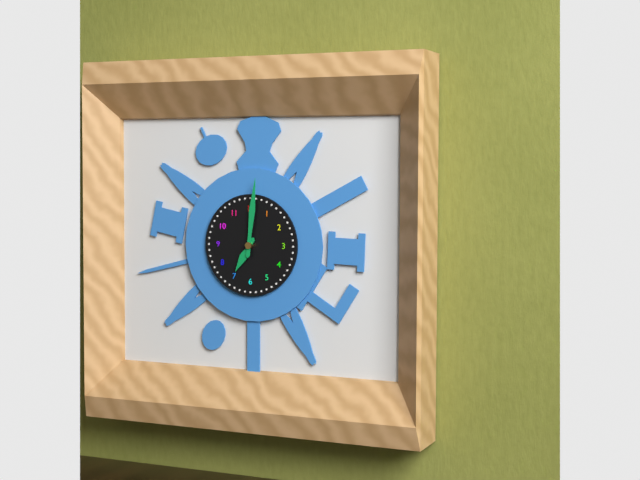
7:01
